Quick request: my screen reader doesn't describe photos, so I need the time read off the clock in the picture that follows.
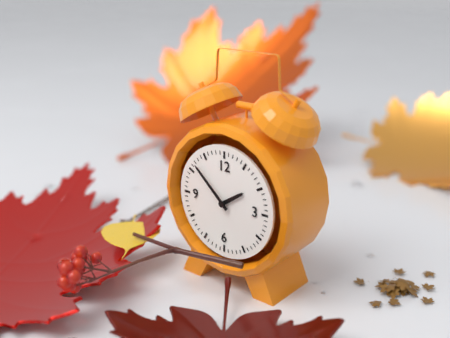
1:52
